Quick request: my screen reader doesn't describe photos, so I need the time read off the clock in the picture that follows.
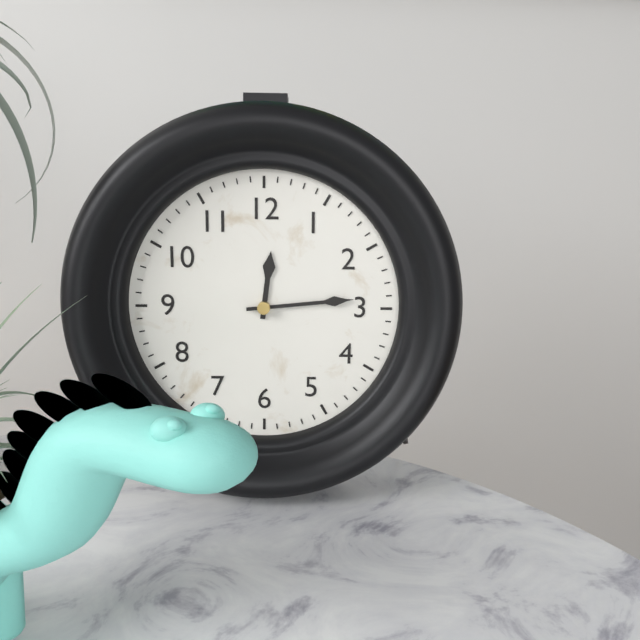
12:14
